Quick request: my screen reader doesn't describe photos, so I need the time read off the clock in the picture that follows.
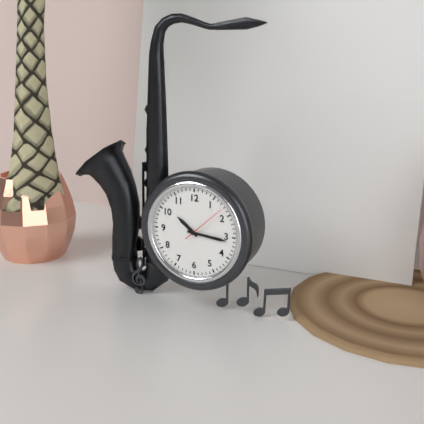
10:16
